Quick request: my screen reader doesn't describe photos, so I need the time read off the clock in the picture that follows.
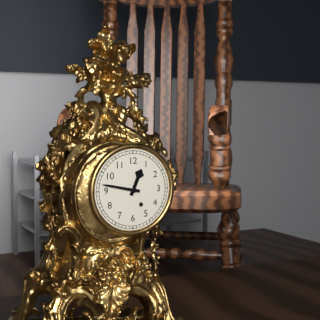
12:47
